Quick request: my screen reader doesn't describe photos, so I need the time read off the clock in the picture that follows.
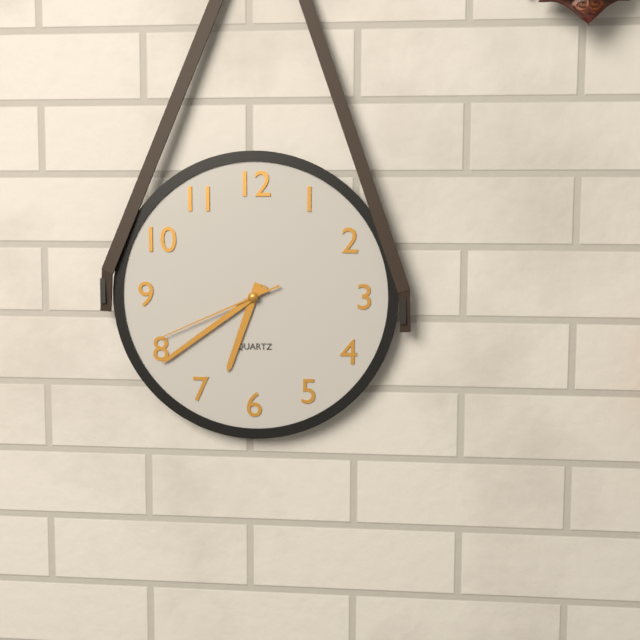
6:39:41
